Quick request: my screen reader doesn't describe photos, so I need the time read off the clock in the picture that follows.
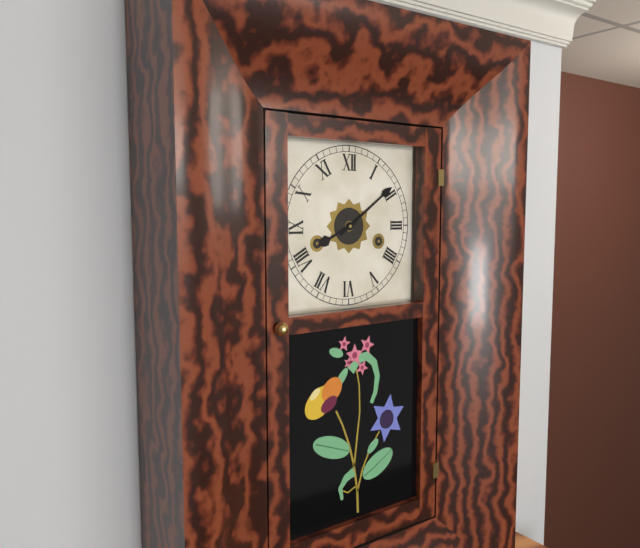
8:09
